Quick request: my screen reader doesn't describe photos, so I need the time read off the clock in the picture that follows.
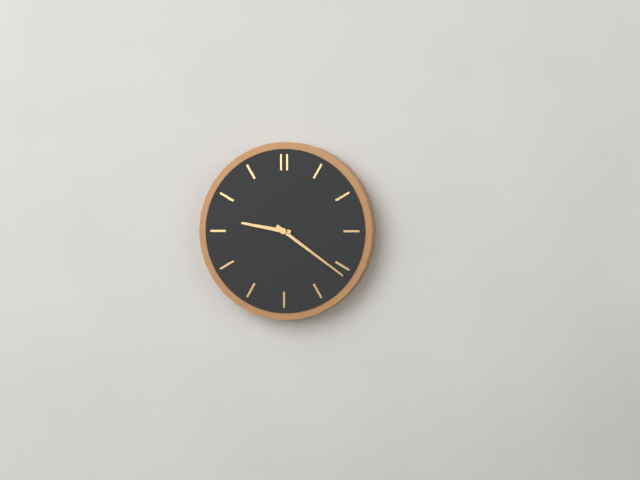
9:21
